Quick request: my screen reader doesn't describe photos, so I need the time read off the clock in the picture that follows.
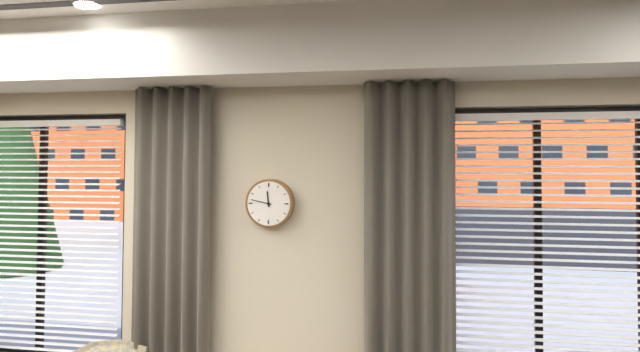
11:47
